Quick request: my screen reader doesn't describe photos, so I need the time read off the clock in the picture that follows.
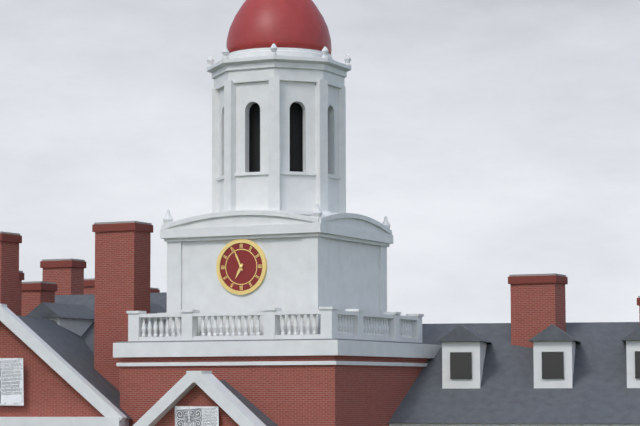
6:56
